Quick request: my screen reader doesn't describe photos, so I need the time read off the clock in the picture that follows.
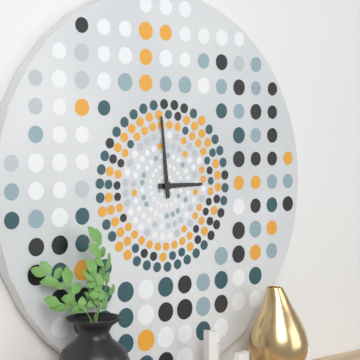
2:59
